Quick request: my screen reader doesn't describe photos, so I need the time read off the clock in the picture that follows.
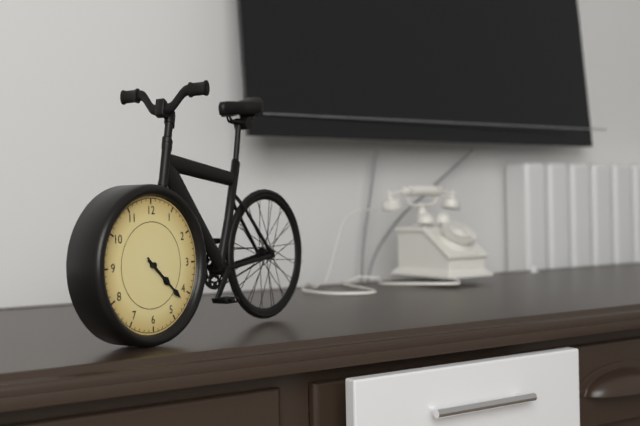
4:22
